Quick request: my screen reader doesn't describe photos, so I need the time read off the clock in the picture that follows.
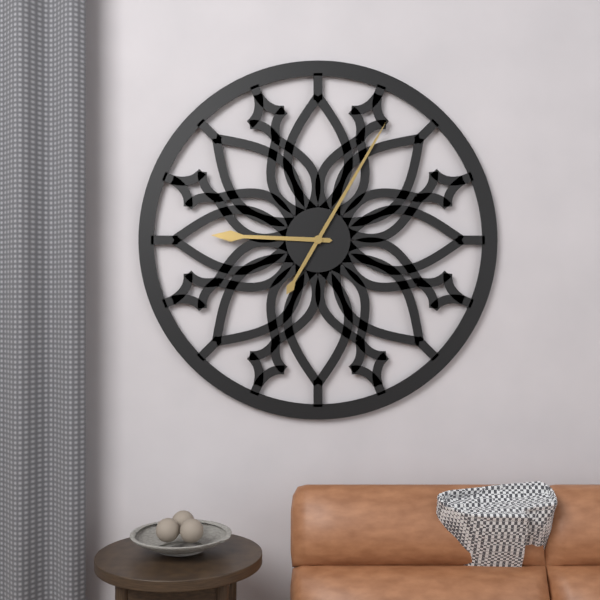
9:05
